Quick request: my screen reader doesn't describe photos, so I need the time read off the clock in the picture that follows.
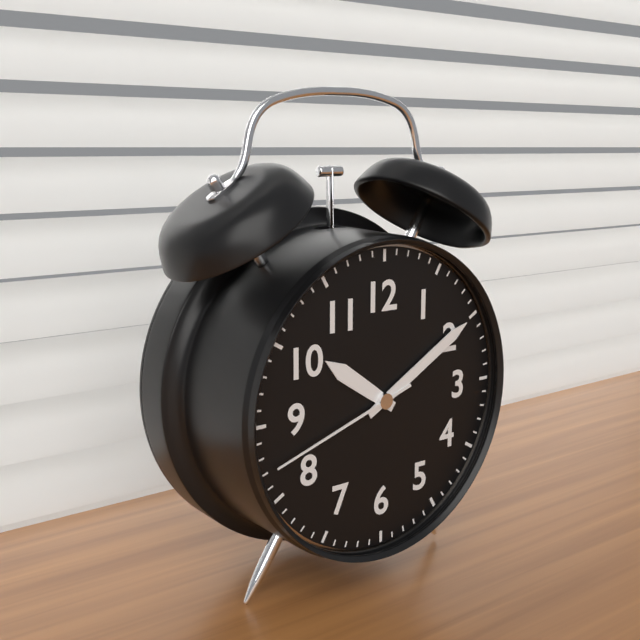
10:10:42
